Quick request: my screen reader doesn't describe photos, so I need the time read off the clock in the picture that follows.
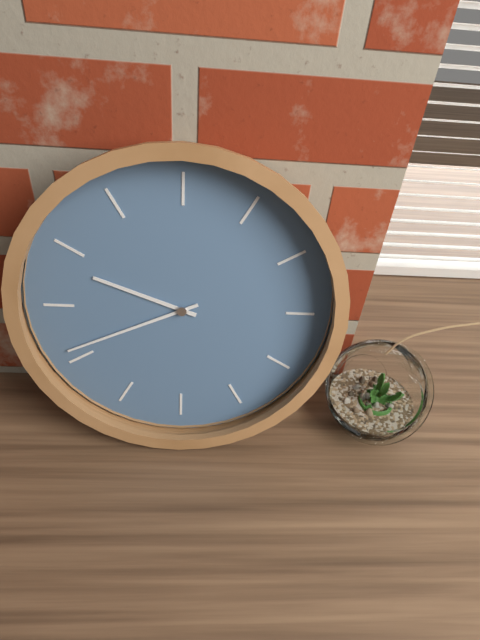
9:41
